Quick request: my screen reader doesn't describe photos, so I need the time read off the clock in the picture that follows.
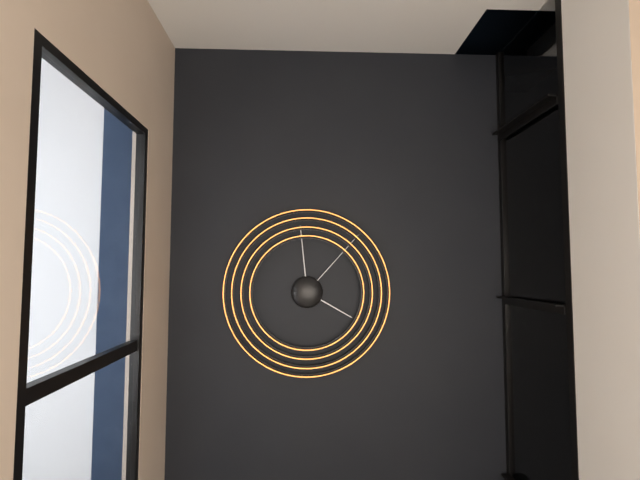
3:59:07
